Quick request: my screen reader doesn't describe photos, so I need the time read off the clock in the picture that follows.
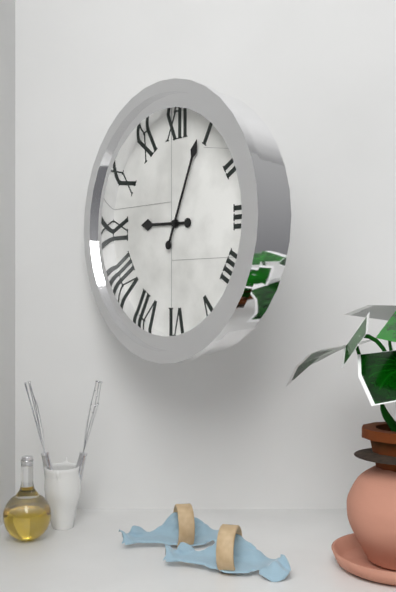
9:04
